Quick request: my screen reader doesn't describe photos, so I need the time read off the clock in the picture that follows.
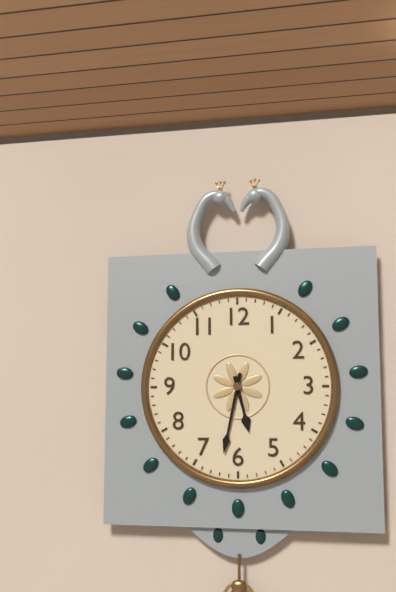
5:32
